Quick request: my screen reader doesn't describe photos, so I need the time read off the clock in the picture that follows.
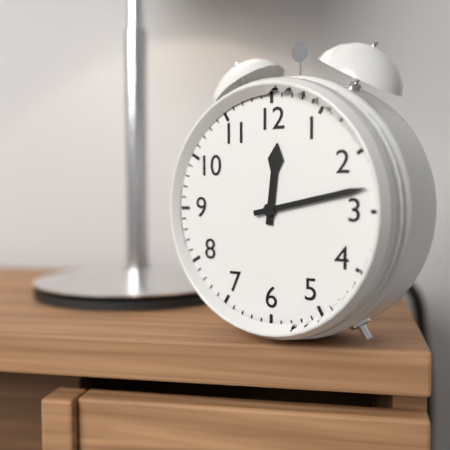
12:13
